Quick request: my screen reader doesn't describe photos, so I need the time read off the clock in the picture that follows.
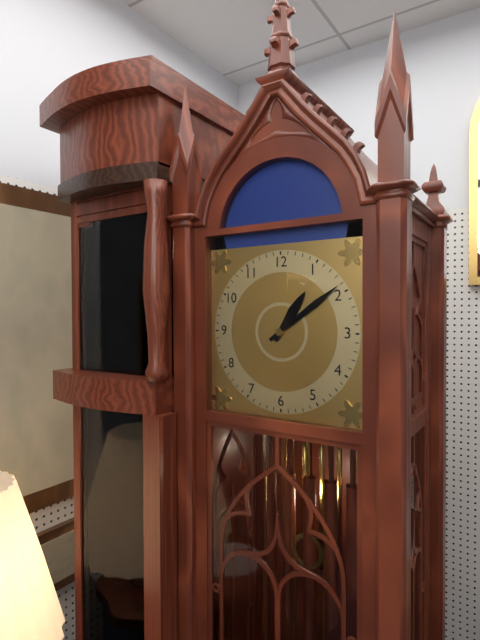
1:09
